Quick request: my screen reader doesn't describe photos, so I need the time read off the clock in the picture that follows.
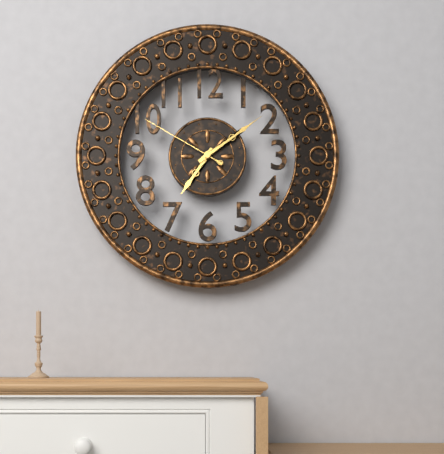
7:09:50
